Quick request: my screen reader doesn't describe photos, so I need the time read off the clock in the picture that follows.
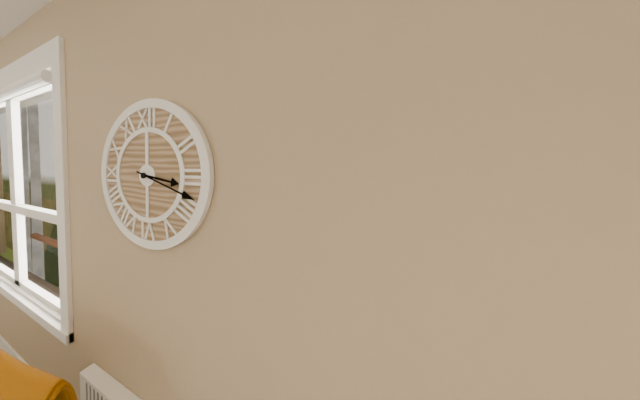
3:18
